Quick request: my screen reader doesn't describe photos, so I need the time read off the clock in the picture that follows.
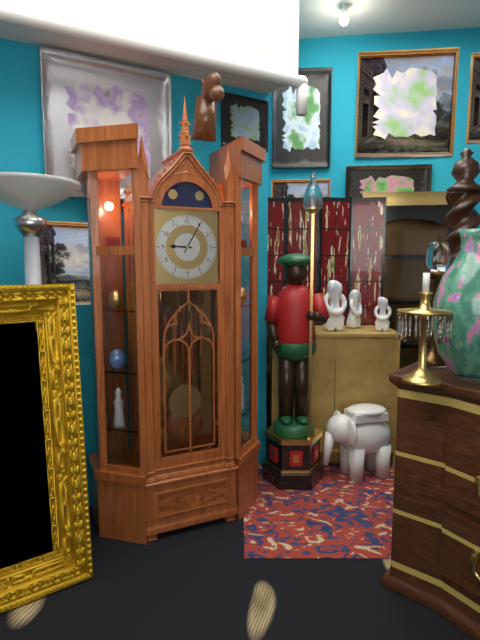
9:05
